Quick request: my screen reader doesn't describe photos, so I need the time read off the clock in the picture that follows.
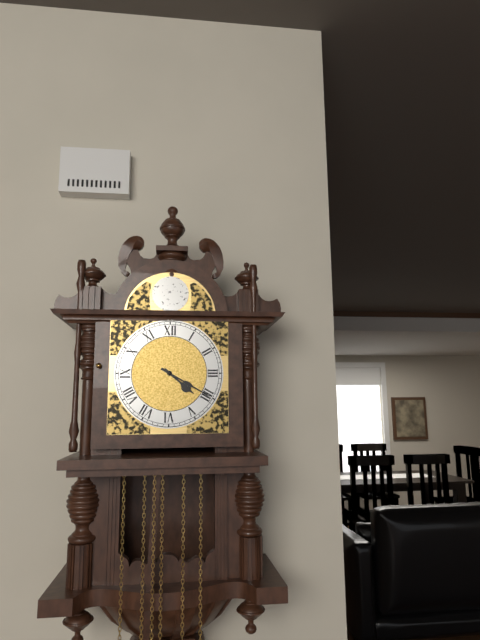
4:20
